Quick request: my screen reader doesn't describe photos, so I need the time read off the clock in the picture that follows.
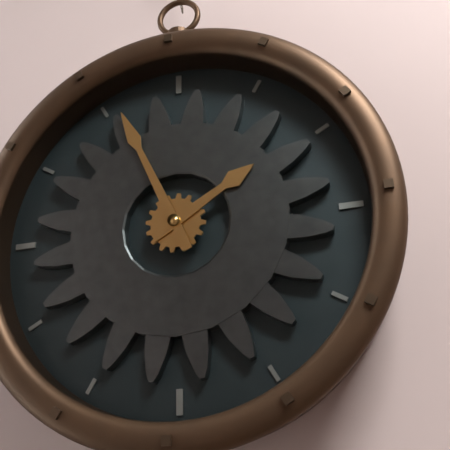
1:56
